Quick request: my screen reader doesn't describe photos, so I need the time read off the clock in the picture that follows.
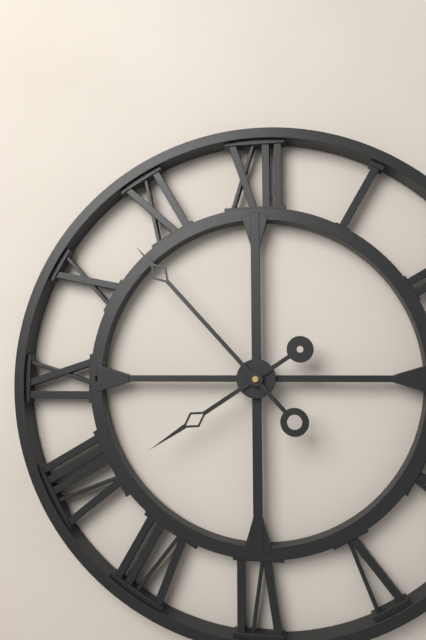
7:53
